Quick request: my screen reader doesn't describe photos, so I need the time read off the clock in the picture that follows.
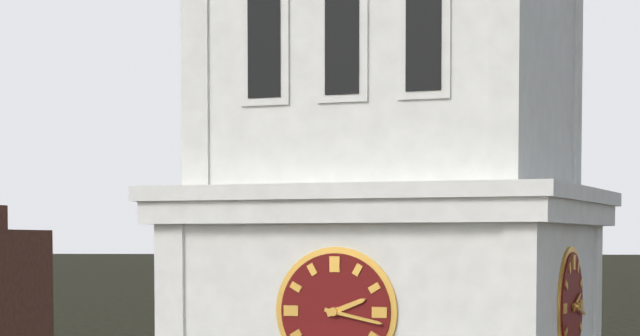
2:17
